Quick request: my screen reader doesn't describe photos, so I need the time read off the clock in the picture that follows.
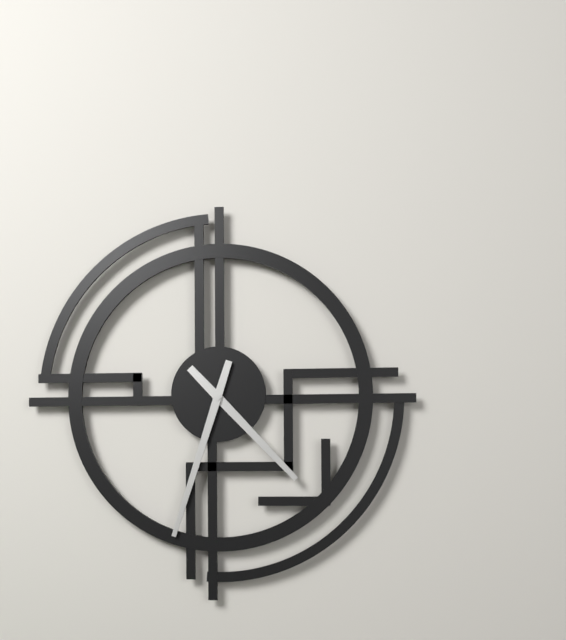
4:33
